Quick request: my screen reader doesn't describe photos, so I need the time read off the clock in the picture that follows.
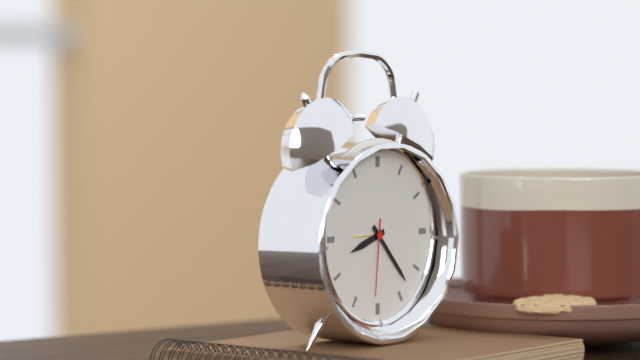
8:23:31
